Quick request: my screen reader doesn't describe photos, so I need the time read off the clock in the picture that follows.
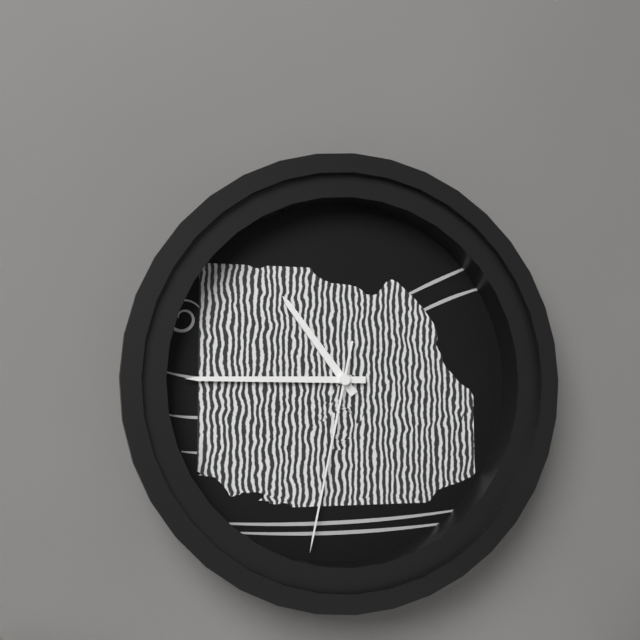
10:45:32
